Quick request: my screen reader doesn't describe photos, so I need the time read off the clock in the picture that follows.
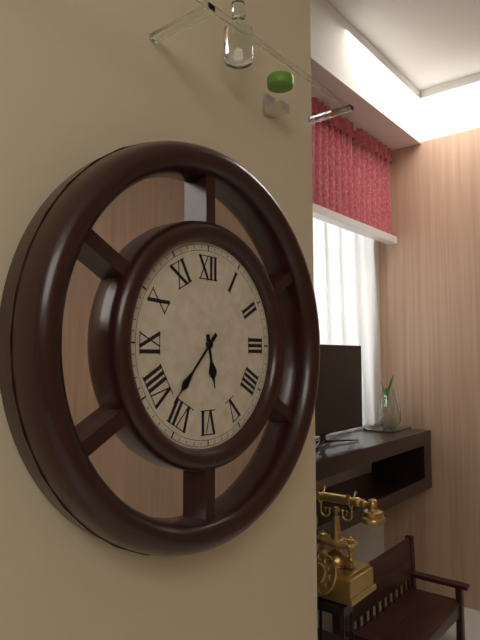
5:37
